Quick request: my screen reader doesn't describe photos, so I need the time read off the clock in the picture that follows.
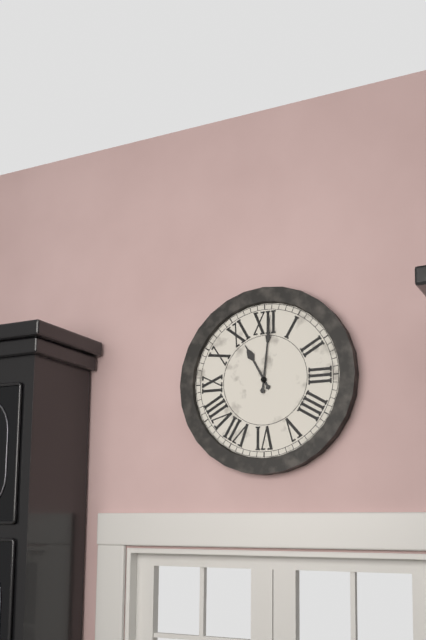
11:01
